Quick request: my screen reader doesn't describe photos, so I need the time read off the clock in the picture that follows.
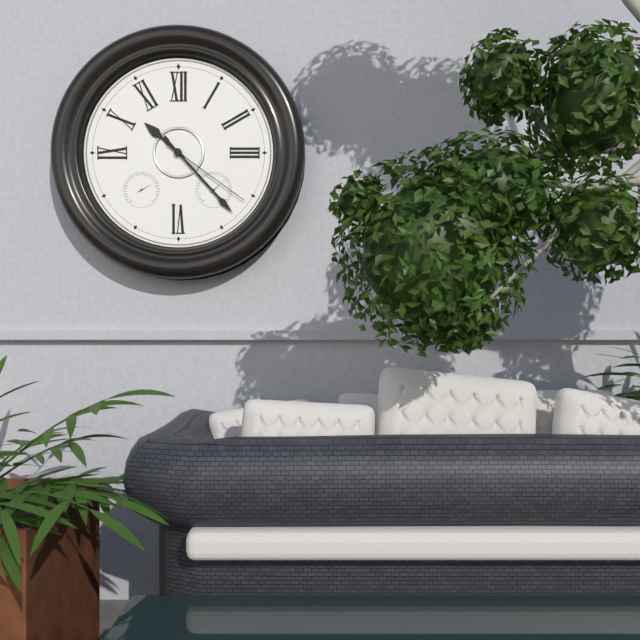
10:23:21
